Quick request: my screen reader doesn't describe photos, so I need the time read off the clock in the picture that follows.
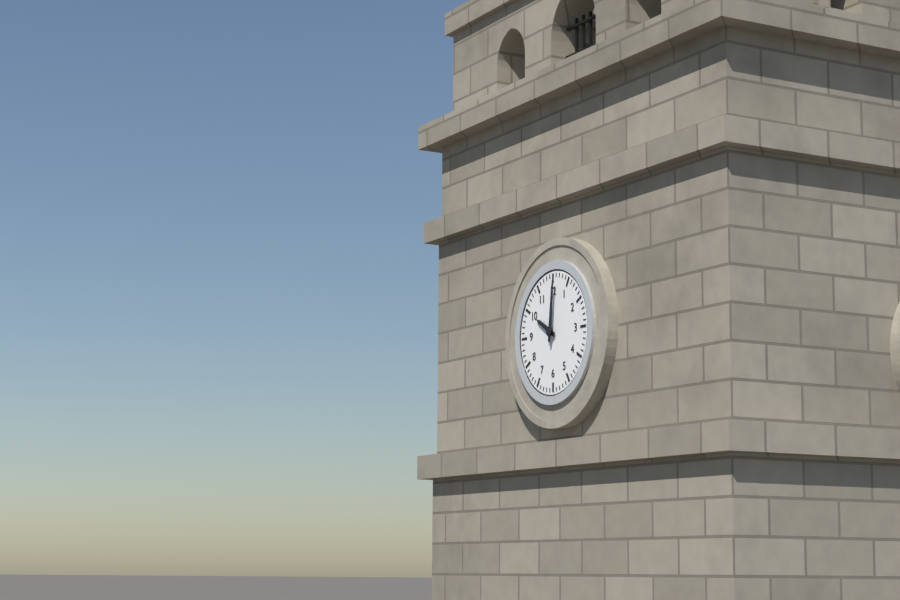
10:01
